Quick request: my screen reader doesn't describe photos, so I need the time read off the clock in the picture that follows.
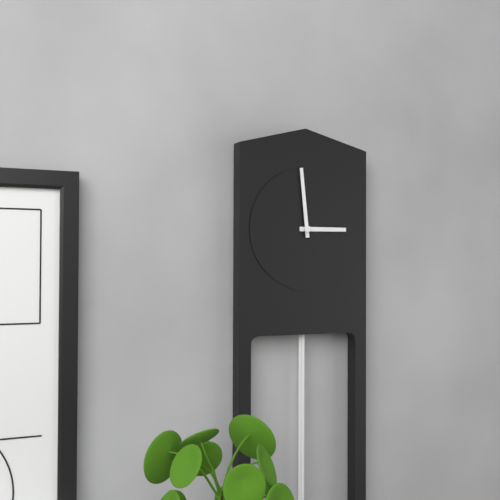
2:59
